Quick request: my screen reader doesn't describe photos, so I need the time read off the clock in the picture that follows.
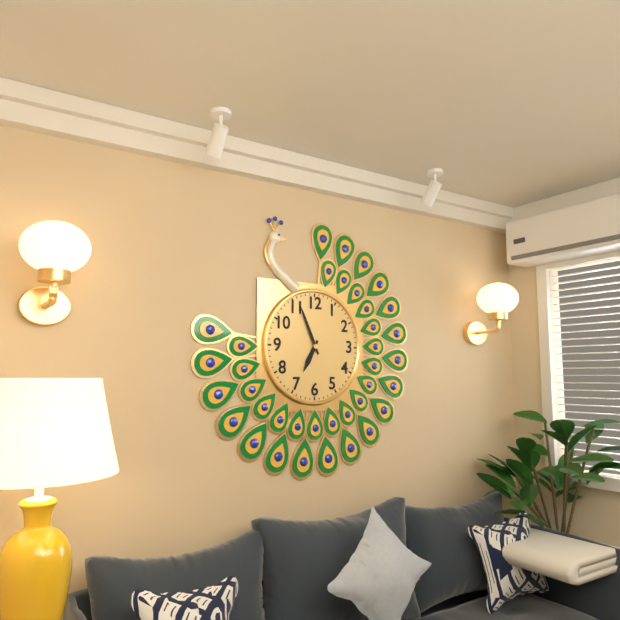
6:56
